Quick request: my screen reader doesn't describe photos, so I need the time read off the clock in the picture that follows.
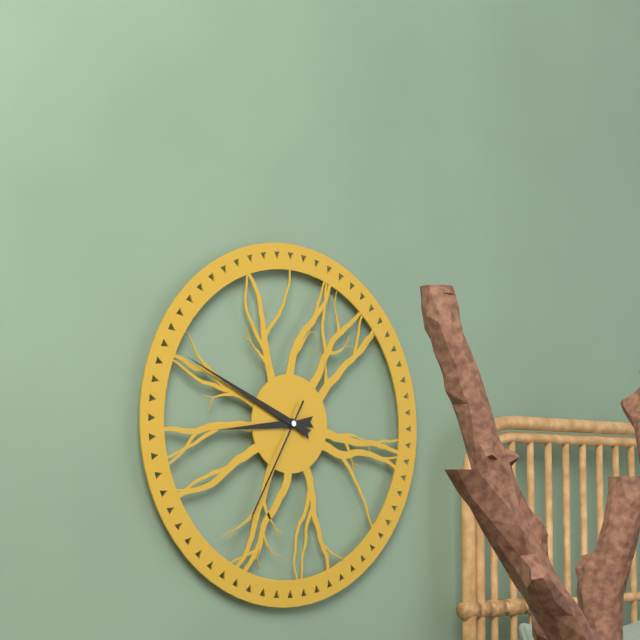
8:49:35
